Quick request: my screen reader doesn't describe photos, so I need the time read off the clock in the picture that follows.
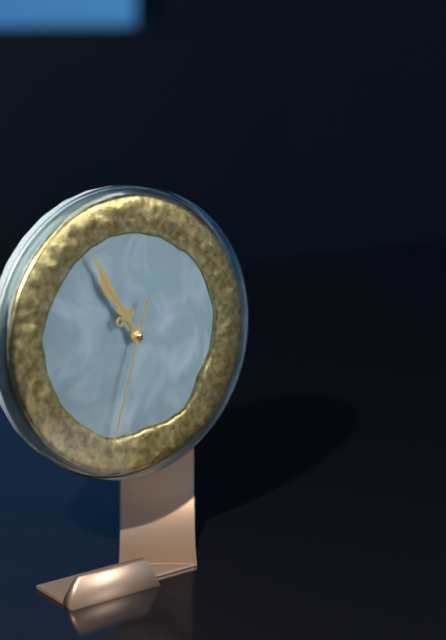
10:55:33
